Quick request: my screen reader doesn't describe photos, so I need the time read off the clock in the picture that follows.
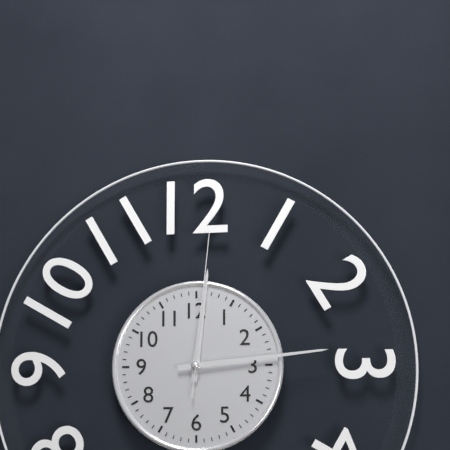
12:14:01
